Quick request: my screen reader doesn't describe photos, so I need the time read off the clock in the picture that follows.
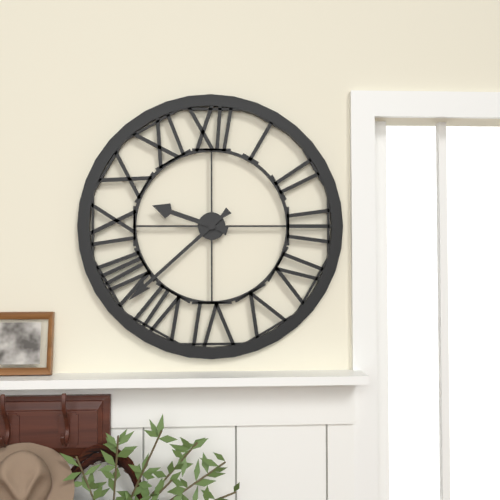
9:38
